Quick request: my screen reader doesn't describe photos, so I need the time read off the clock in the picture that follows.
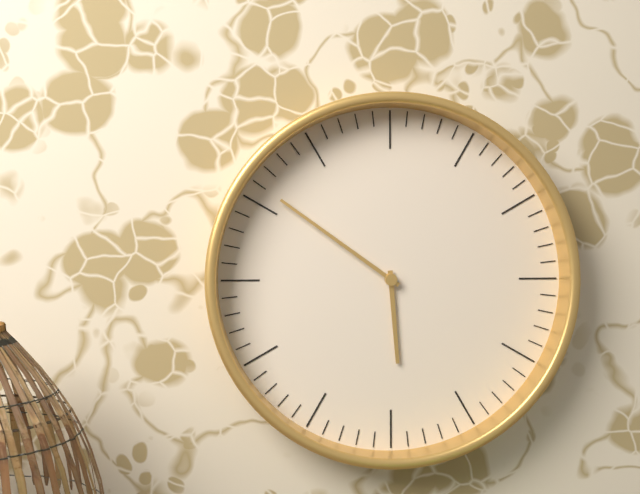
5:51
